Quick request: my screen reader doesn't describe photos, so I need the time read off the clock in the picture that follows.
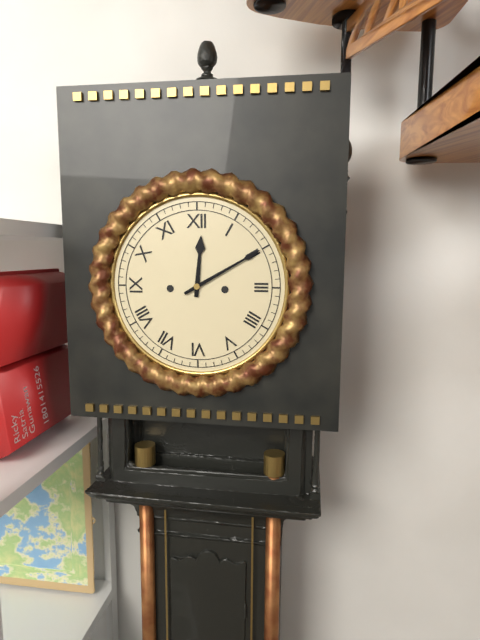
12:10
